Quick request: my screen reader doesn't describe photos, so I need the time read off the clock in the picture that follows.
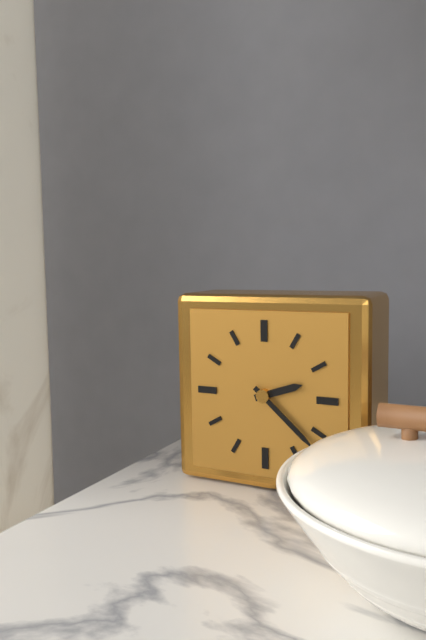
2:22
